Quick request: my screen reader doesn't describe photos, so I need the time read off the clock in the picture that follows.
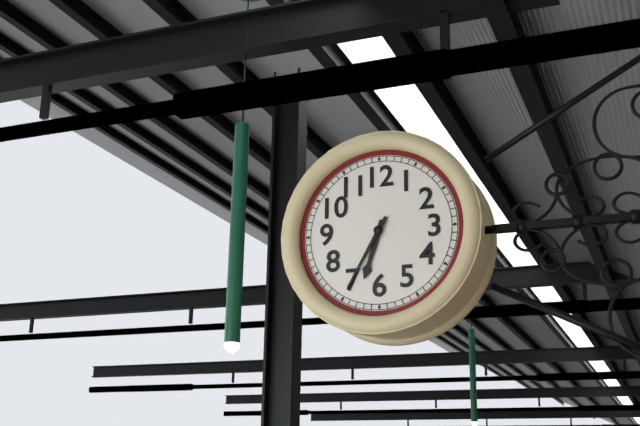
6:35
